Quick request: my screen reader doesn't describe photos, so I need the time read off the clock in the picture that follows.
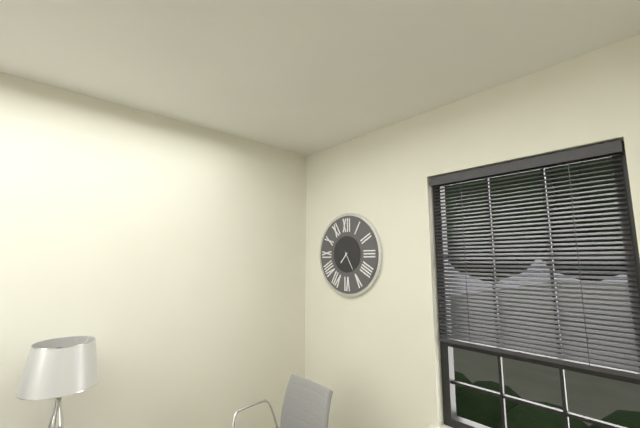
7:25
